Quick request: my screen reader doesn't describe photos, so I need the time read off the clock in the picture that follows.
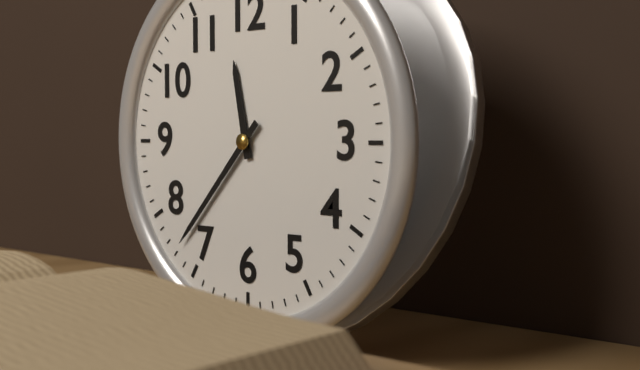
11:37
